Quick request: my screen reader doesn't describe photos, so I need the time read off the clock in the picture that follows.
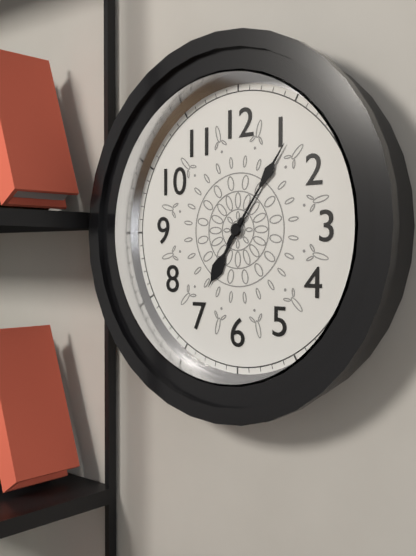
7:06
